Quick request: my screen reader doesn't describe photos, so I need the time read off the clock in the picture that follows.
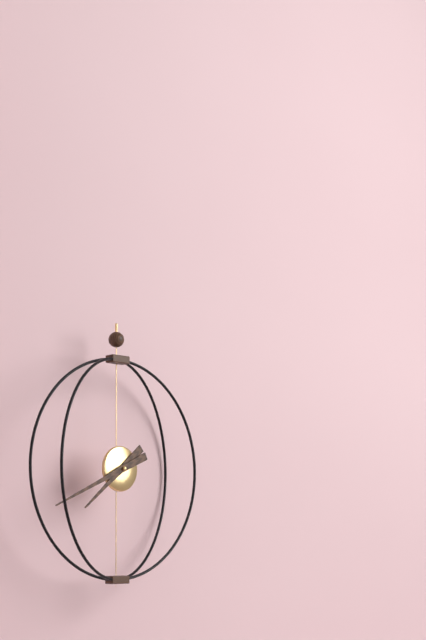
7:41
